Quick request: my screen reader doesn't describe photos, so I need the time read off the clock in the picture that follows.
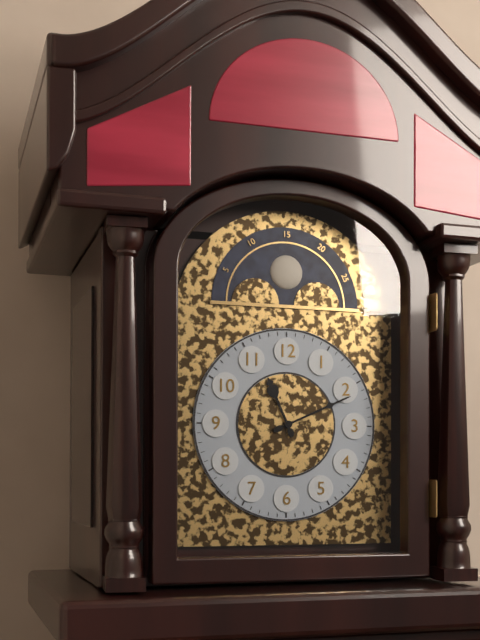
11:11
